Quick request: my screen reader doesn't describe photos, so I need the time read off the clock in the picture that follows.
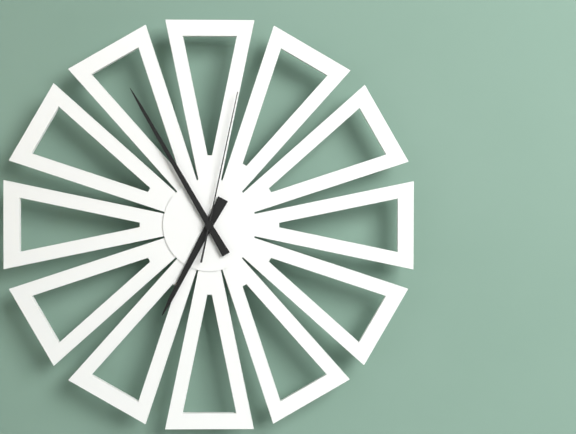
6:55:02
